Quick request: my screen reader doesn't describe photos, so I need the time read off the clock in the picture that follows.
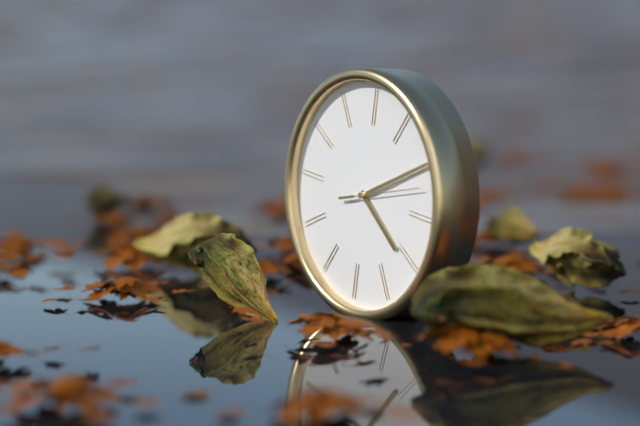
4:10:12
